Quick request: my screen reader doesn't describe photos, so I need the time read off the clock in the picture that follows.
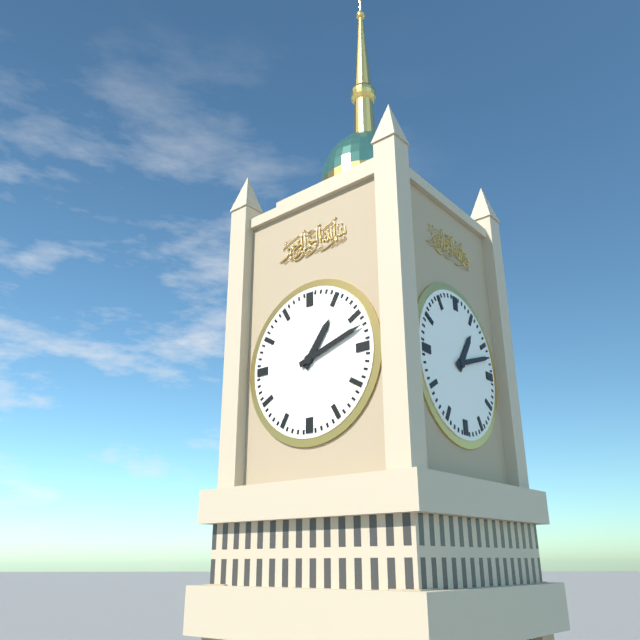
1:12
